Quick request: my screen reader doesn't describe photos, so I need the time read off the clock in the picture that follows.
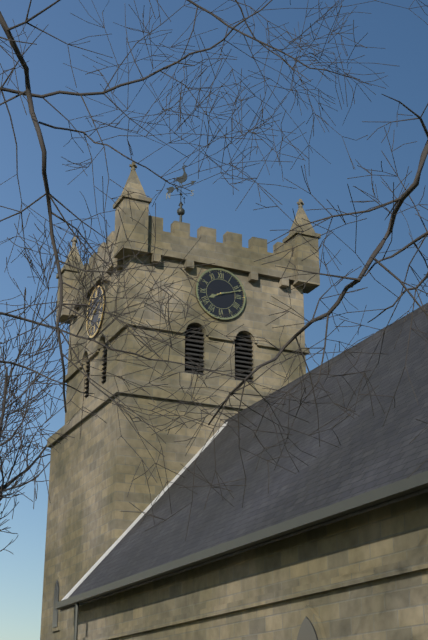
8:12
